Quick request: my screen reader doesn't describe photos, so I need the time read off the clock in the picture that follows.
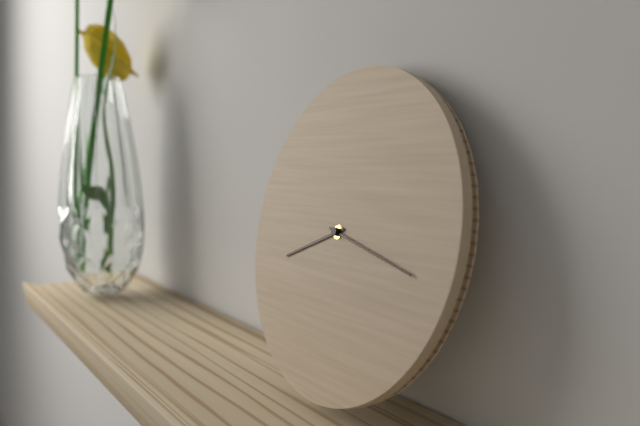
8:17
